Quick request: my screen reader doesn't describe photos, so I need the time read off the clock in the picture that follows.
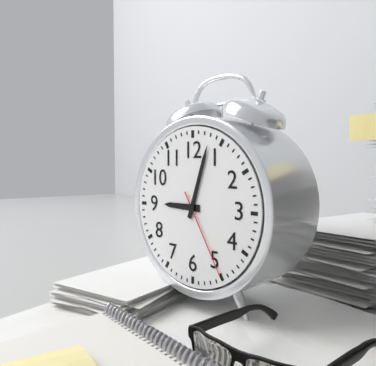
9:03:25
